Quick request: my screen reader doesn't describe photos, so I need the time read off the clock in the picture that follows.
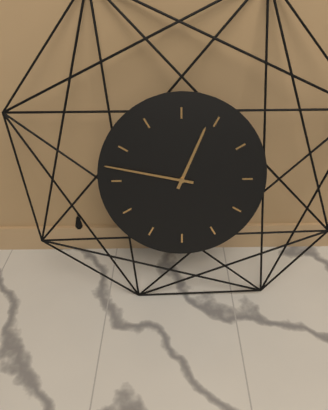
12:47
